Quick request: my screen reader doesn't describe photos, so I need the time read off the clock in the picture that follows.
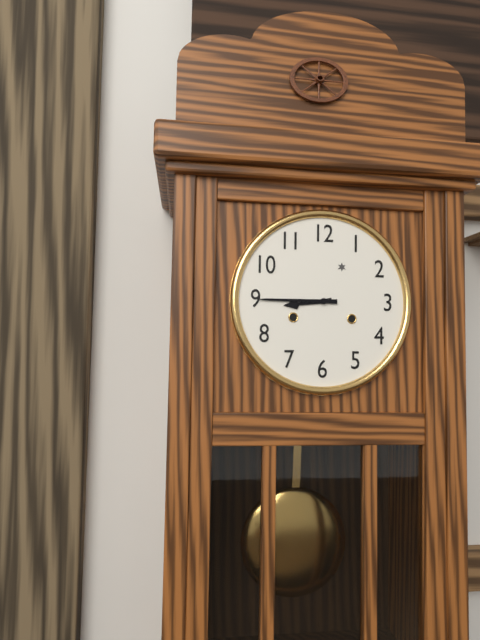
8:45
